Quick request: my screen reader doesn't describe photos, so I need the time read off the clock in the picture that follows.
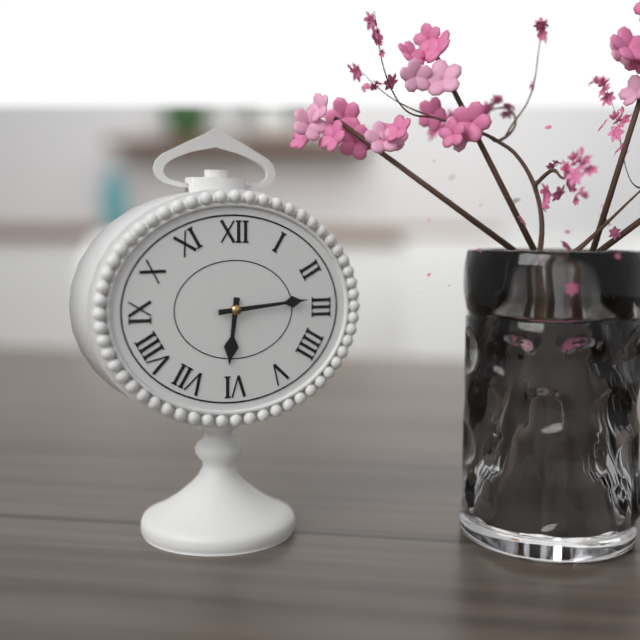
6:14
